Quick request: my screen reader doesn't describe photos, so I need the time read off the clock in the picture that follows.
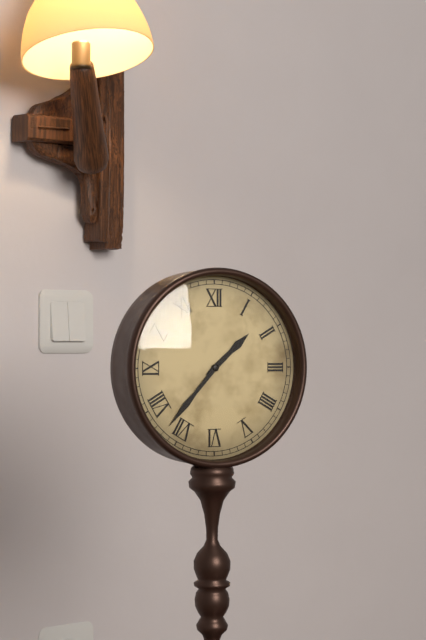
1:37
